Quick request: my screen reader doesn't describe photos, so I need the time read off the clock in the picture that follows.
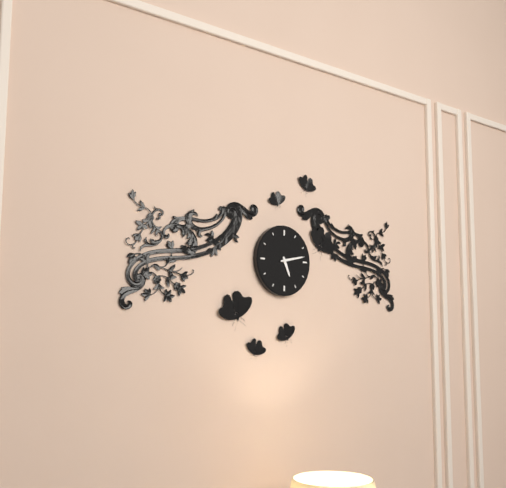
5:13
